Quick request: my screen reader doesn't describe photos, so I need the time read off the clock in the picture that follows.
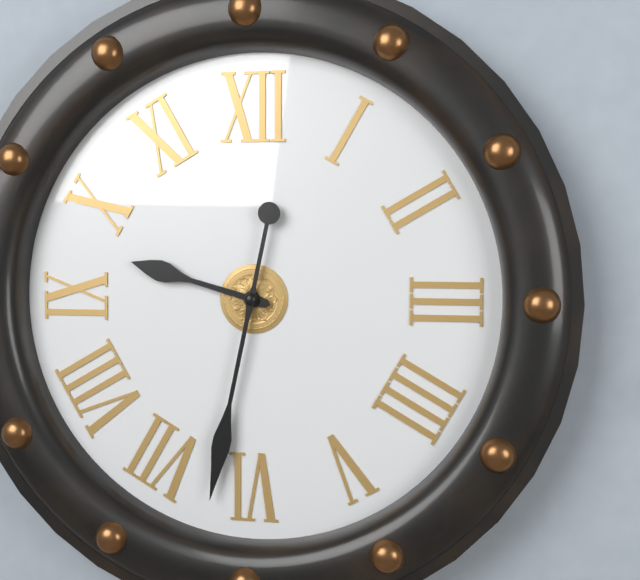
9:32
